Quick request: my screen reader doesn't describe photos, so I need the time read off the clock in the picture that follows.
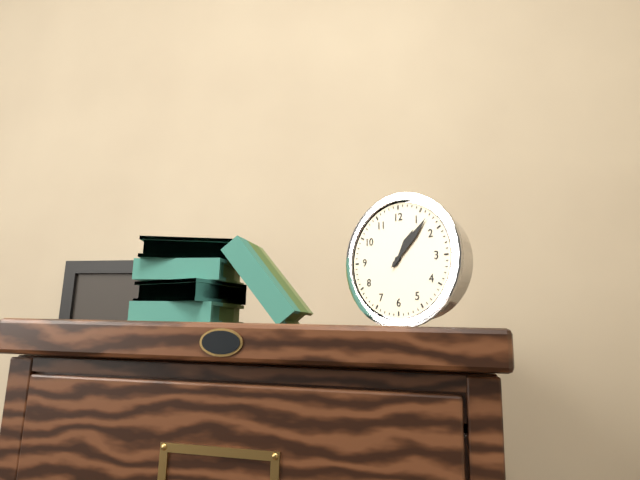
1:07
